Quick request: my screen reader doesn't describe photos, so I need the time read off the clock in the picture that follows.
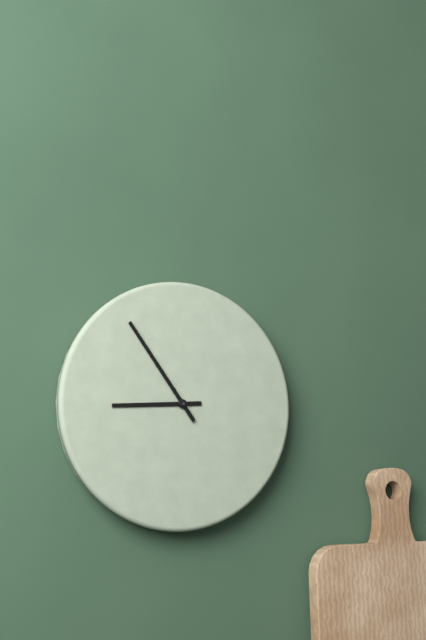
8:54
